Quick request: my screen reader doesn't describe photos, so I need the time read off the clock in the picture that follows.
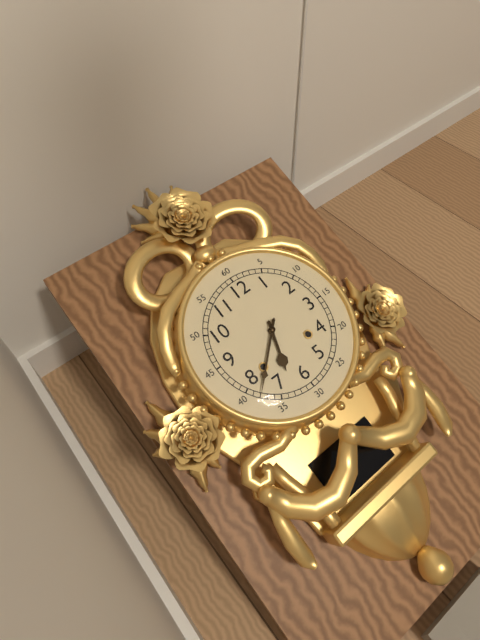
6:38
